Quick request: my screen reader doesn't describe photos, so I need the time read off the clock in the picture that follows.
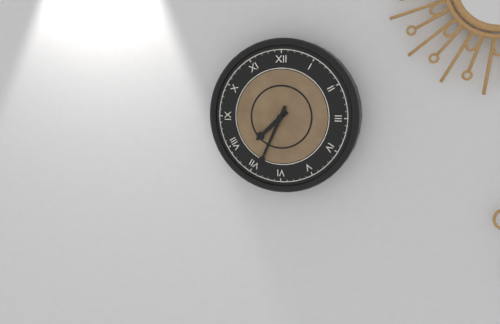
7:34
